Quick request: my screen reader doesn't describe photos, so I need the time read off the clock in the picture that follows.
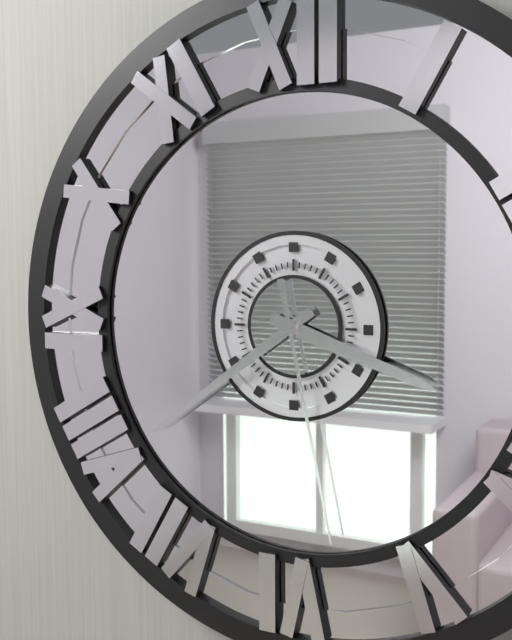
3:39:28
